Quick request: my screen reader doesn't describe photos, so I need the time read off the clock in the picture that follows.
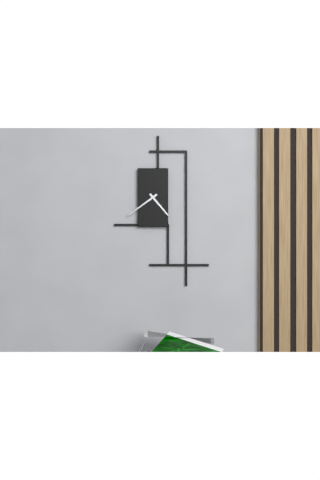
4:39
